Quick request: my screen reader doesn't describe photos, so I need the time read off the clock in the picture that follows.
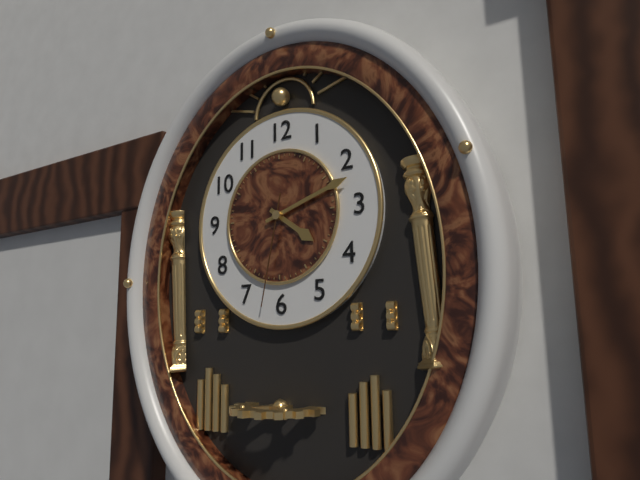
4:12:32
